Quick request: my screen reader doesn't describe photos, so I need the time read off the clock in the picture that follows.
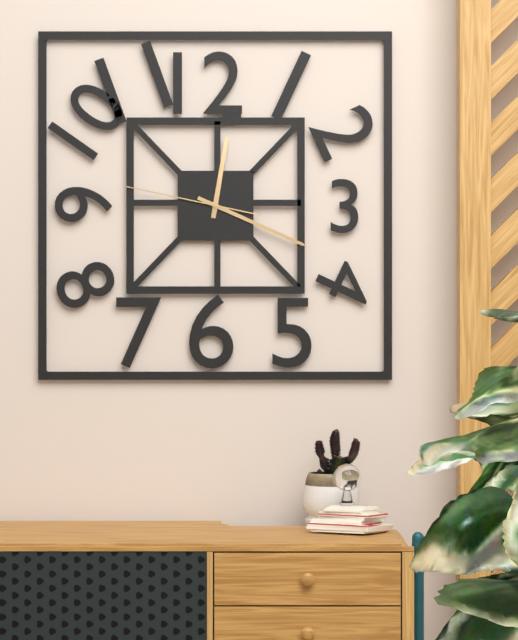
12:19:47
